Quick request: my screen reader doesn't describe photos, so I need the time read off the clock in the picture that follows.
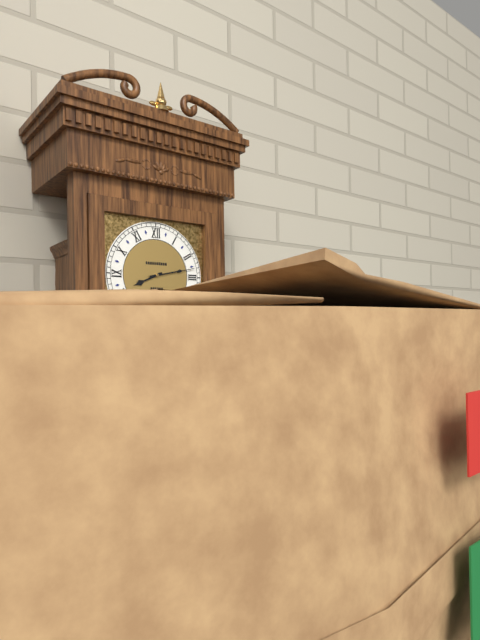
8:13
